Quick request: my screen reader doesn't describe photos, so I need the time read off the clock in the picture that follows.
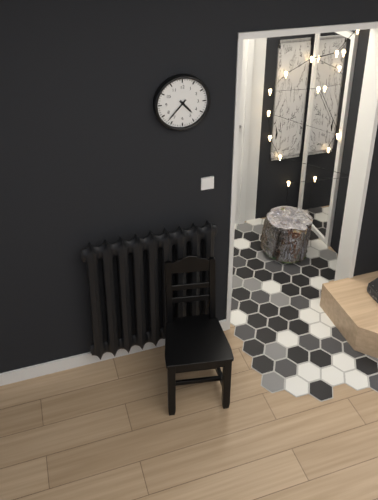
4:37
